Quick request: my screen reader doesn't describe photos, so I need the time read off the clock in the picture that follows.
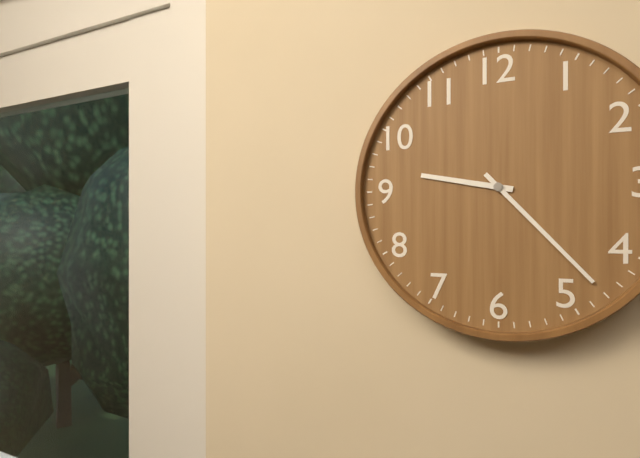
9:23
